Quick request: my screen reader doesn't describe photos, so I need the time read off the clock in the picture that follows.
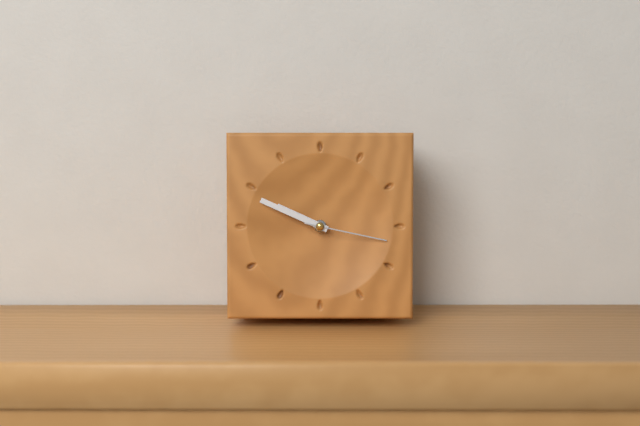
9:49:17
